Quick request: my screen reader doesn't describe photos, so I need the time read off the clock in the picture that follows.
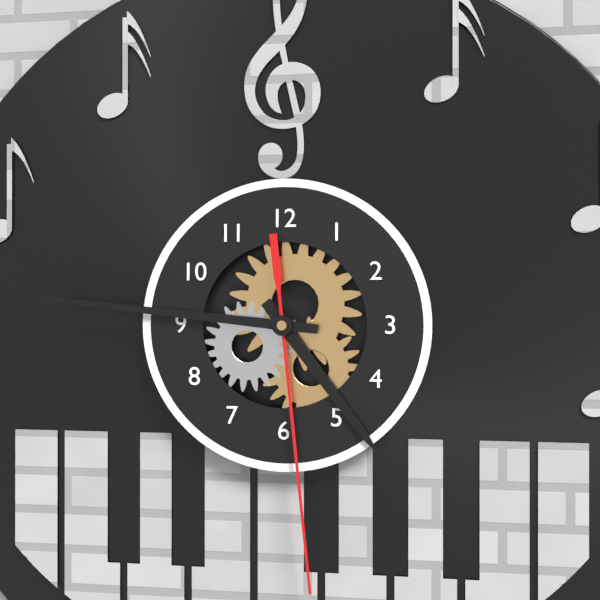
4:46:29
